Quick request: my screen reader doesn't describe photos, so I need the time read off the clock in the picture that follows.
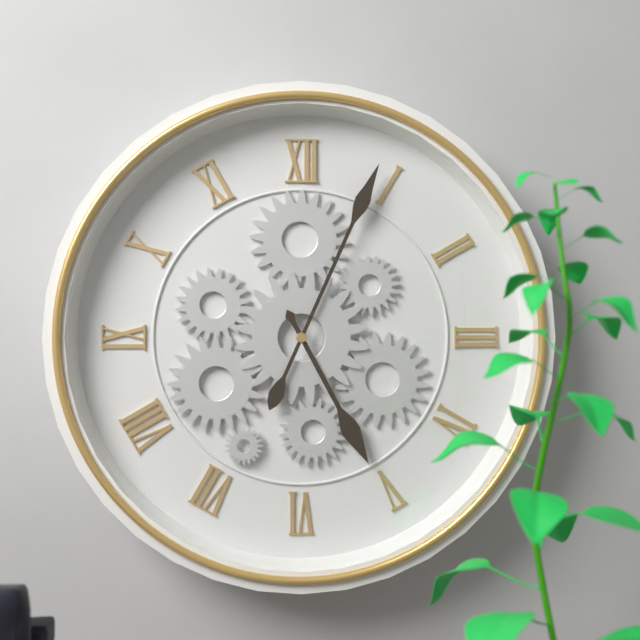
5:04
